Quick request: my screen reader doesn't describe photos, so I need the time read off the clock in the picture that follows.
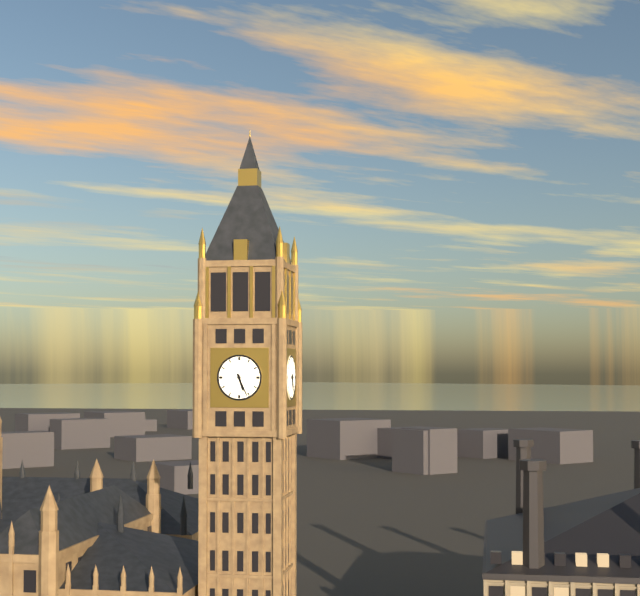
5:26
